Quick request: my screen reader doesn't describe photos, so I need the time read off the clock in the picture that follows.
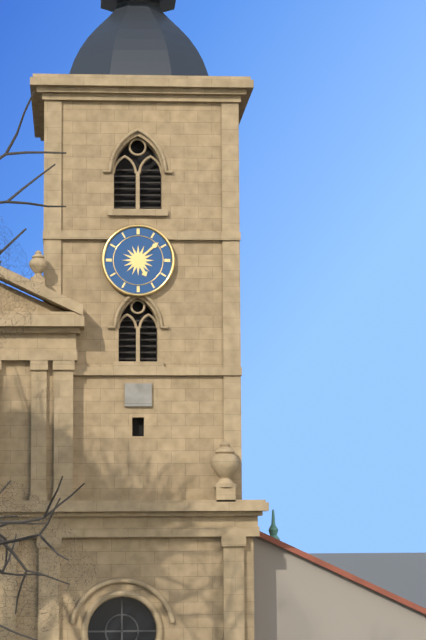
5:08
